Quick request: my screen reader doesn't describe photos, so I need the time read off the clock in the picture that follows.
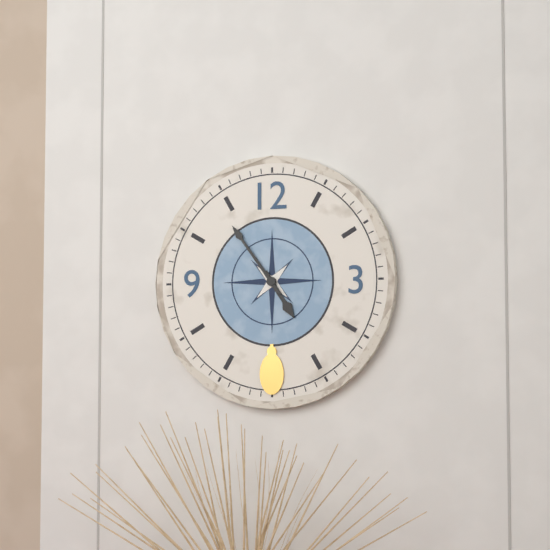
4:54
